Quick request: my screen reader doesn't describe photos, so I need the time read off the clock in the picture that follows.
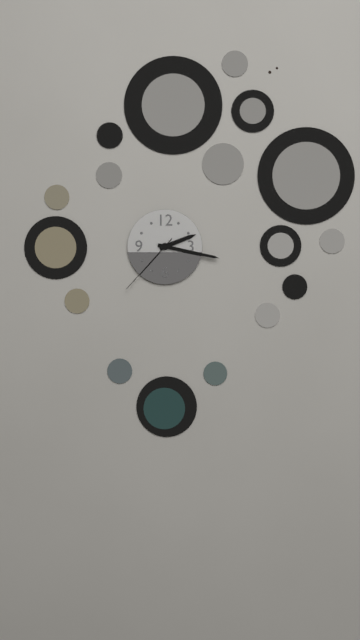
2:17:37
